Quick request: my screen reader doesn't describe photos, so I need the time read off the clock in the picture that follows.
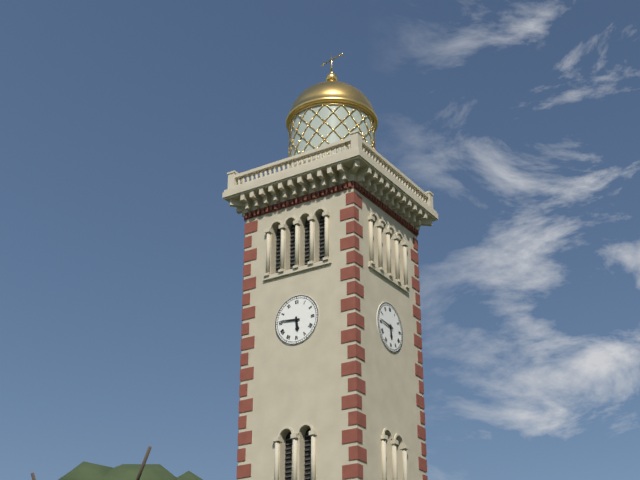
5:46
